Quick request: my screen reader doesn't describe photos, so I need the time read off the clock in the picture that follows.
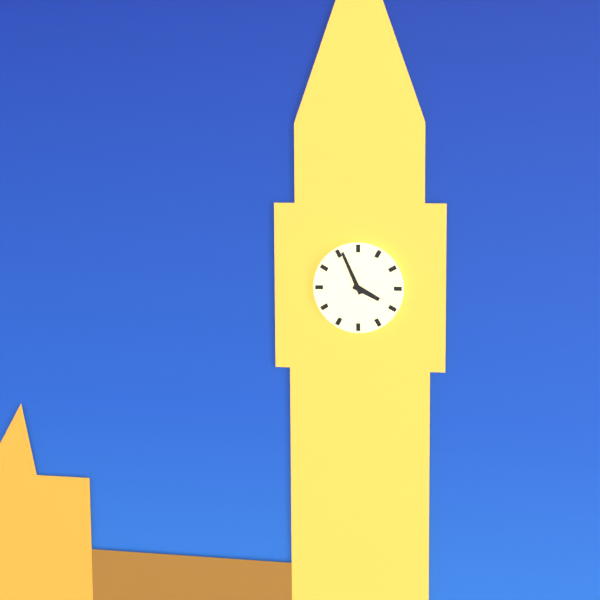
3:56
